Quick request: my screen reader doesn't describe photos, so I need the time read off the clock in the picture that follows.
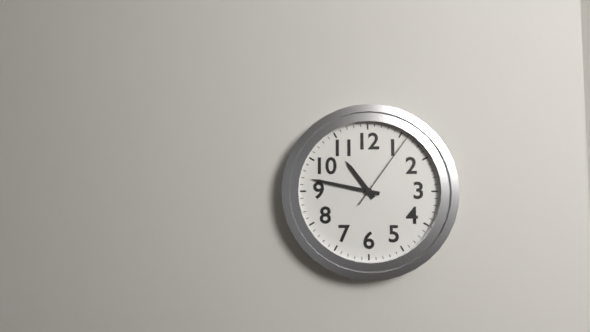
10:47:06
